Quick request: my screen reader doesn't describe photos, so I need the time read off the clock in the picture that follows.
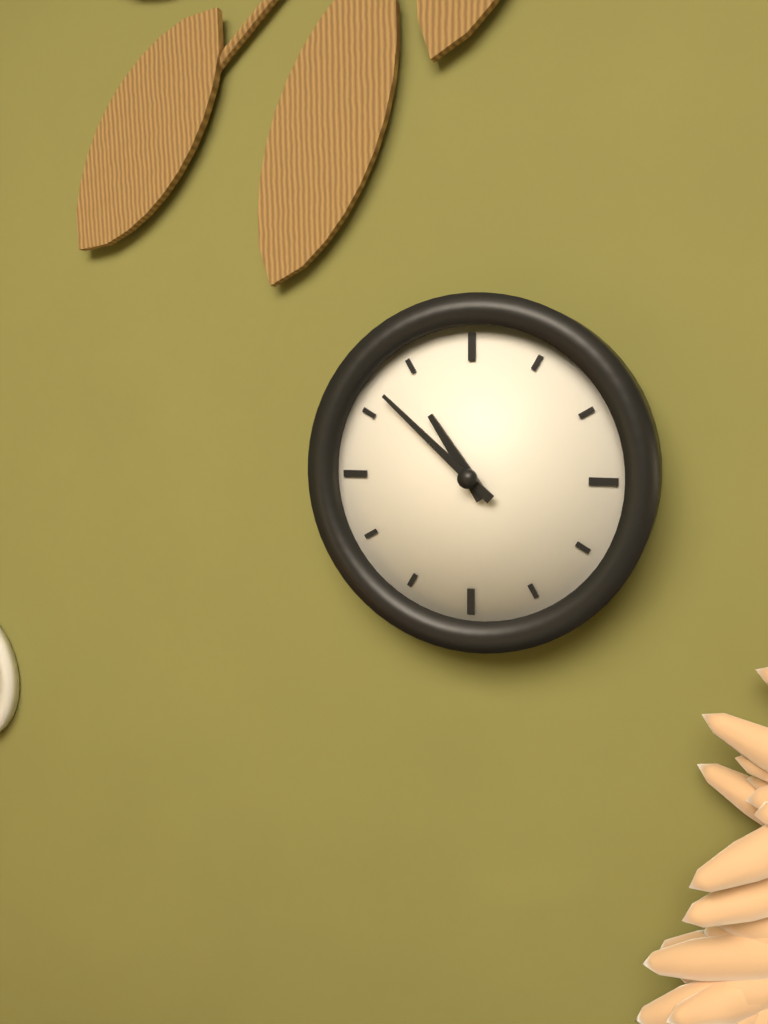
10:52
